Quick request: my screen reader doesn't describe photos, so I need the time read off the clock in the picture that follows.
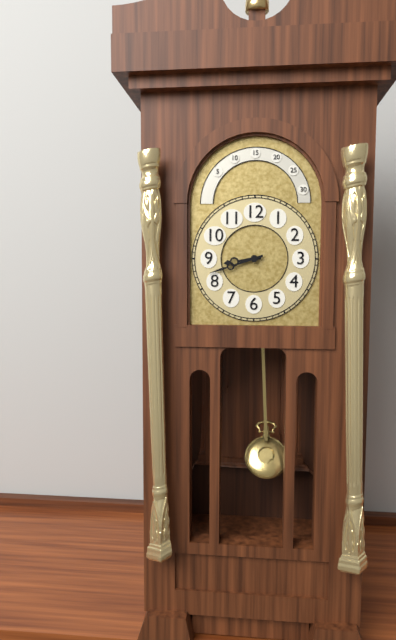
8:42
